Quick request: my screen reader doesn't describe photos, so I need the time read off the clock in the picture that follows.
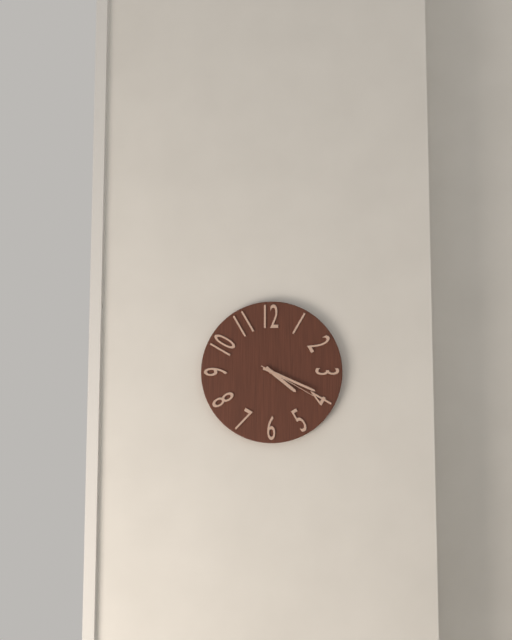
4:19:20
